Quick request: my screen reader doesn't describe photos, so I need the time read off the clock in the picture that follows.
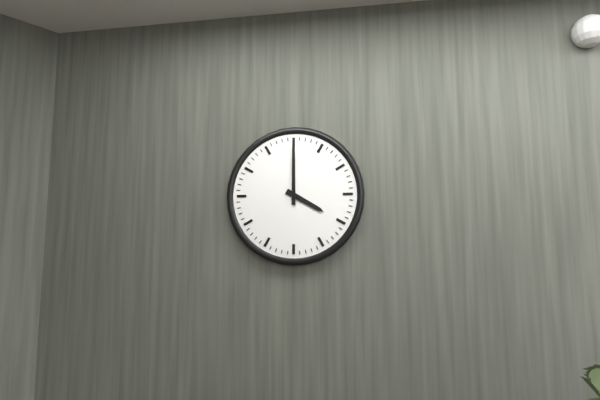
4:00
